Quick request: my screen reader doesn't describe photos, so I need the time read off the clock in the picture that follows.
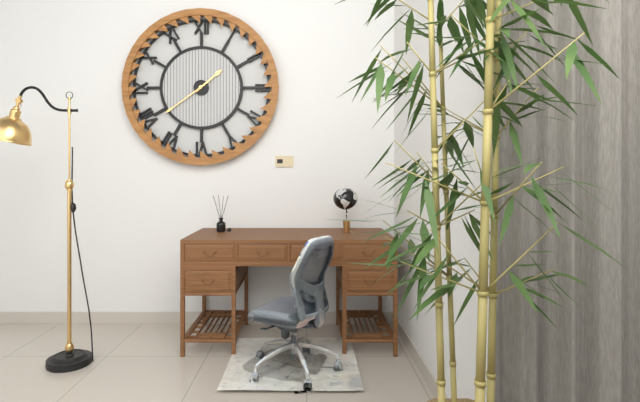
1:39
